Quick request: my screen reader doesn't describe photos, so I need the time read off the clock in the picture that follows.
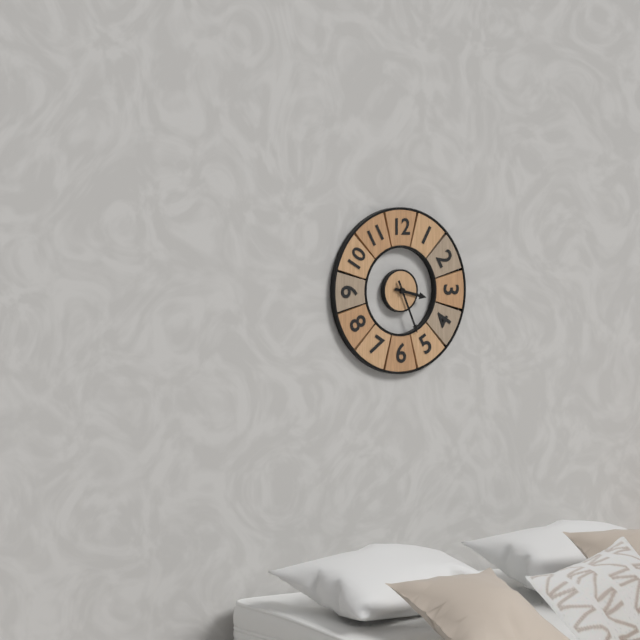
3:26
